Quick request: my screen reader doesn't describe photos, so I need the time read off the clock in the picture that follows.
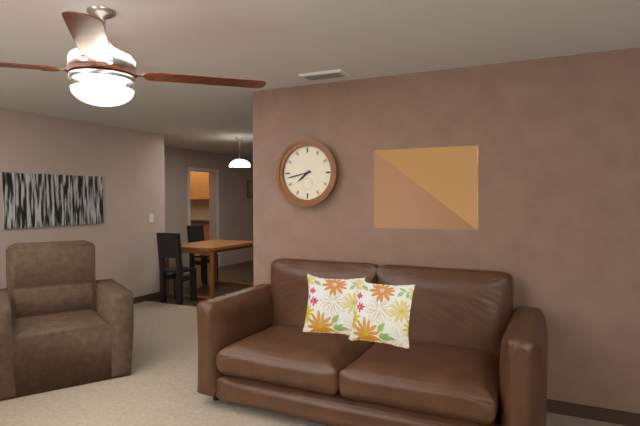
7:43
